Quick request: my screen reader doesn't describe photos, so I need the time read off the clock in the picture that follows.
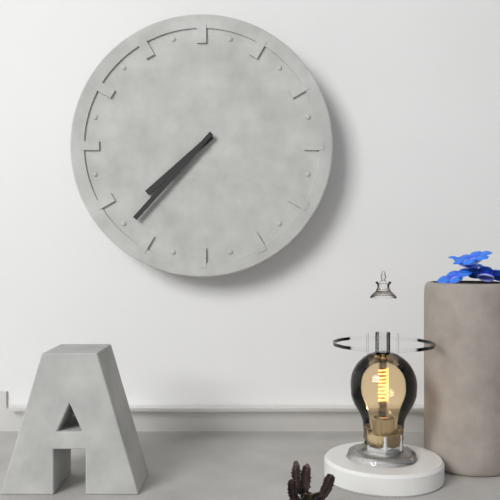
7:37
